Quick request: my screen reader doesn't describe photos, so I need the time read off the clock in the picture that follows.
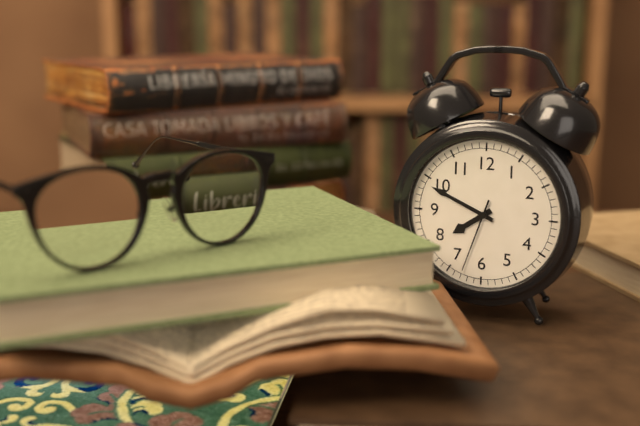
7:49:33
